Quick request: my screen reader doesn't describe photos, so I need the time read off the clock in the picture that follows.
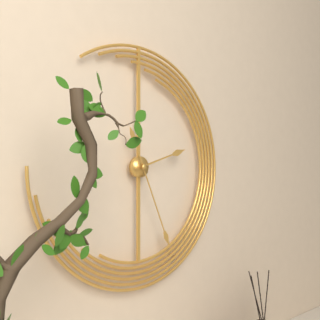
2:26
